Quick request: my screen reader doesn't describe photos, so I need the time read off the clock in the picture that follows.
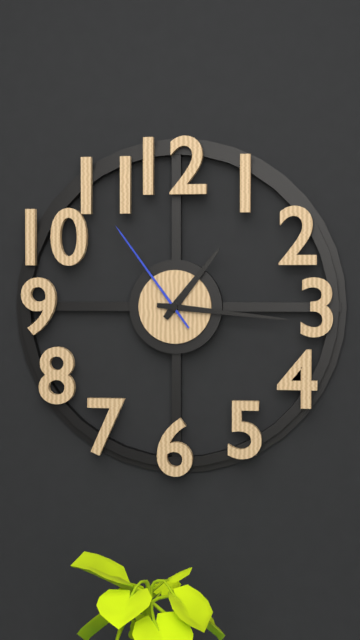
1:16:54
